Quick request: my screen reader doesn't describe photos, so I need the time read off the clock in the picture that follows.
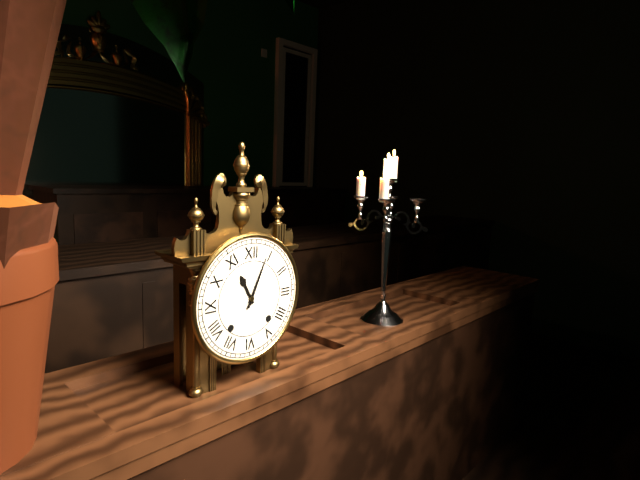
11:04
